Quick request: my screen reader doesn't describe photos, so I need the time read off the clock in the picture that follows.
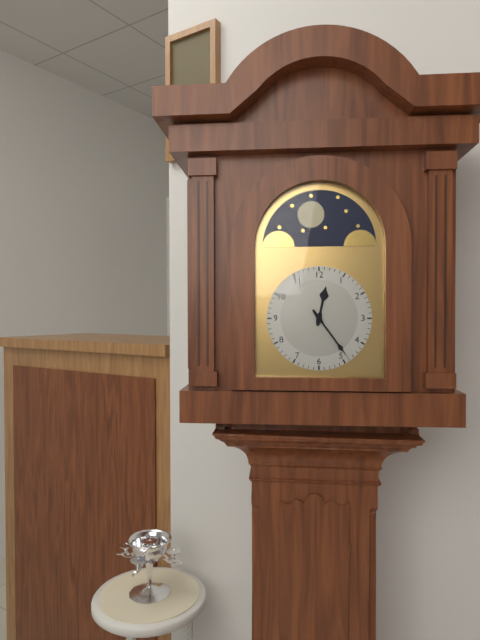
12:24
